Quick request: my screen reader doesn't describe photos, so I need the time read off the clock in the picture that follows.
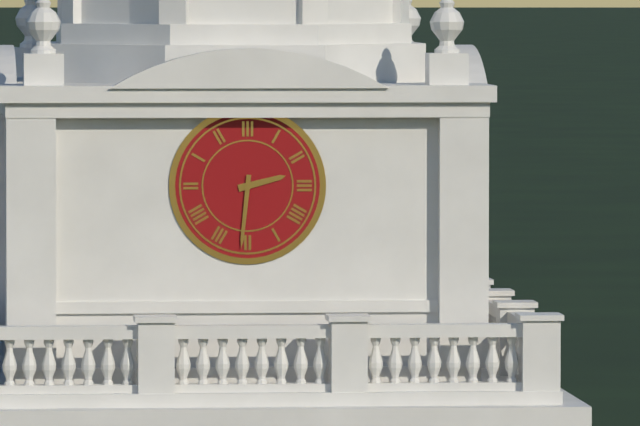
2:31
